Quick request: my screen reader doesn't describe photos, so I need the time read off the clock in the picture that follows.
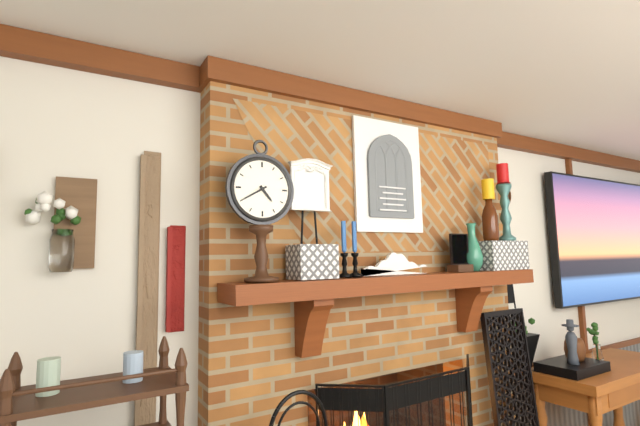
4:40
